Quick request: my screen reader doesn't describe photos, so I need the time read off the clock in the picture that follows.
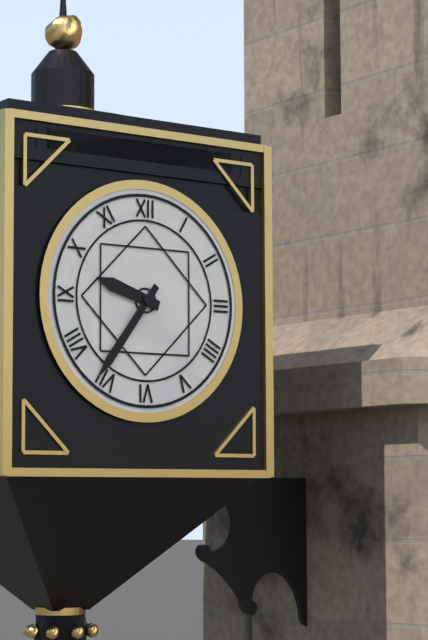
9:36
